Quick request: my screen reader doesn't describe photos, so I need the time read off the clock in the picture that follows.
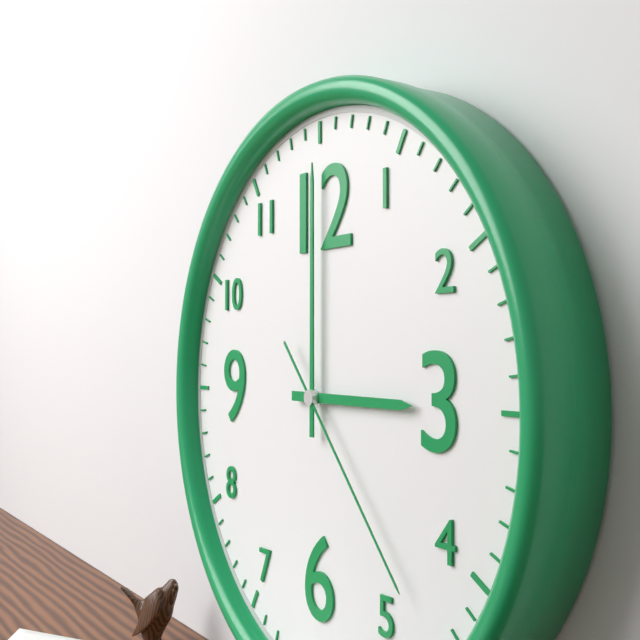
3:00:23
